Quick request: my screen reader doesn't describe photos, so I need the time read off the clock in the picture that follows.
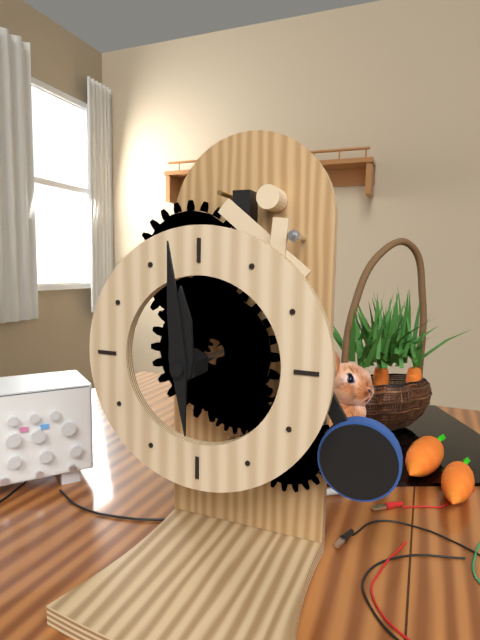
11:59
